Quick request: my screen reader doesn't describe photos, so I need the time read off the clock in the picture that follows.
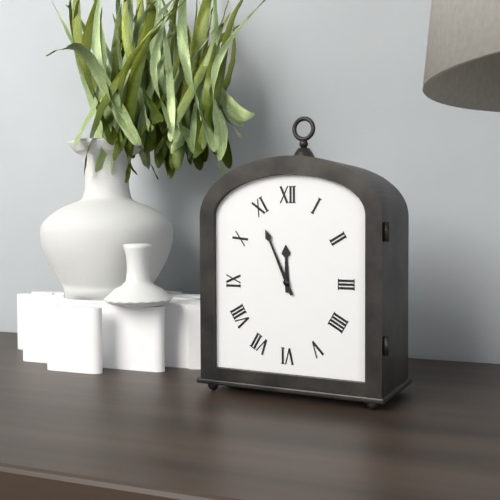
11:56
